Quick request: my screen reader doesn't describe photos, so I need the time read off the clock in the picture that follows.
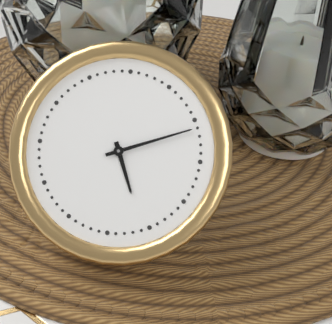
5:11
